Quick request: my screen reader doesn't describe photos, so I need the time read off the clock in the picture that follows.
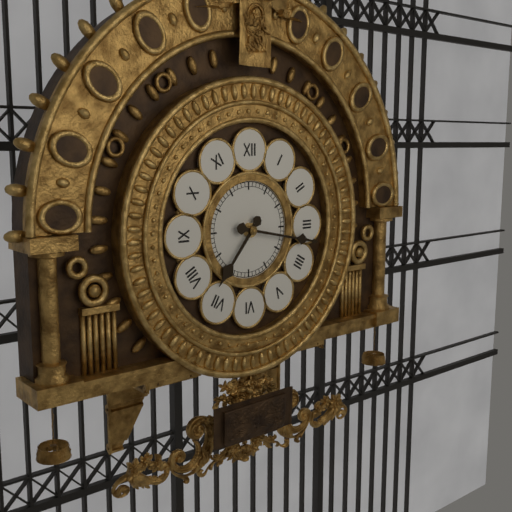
7:17
